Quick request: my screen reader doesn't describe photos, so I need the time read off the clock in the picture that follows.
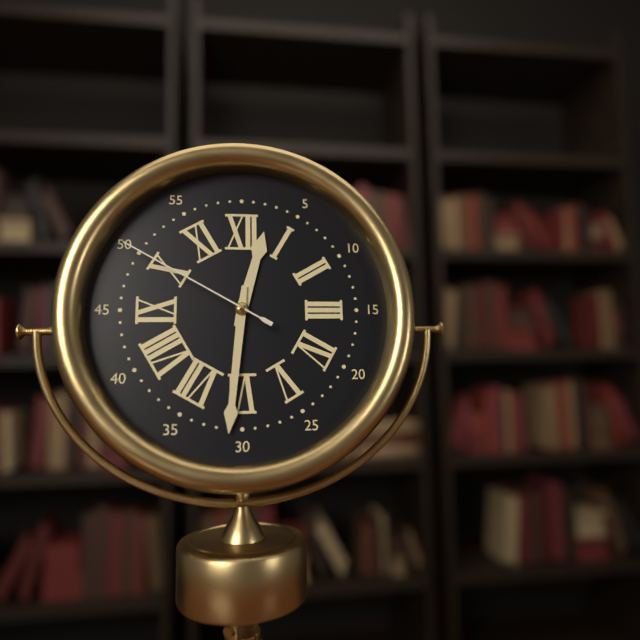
12:31:50
